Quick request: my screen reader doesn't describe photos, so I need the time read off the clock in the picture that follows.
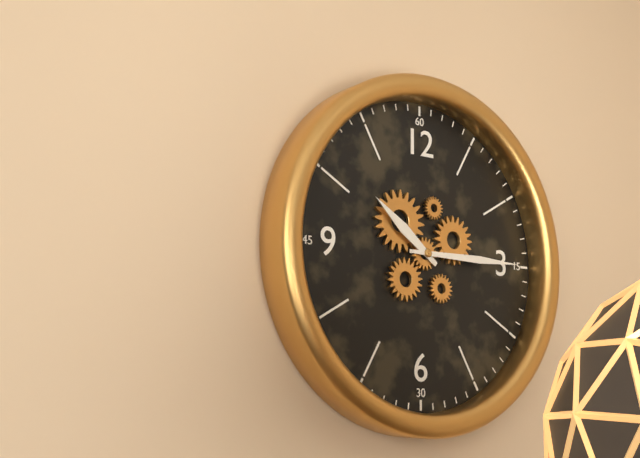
10:15
